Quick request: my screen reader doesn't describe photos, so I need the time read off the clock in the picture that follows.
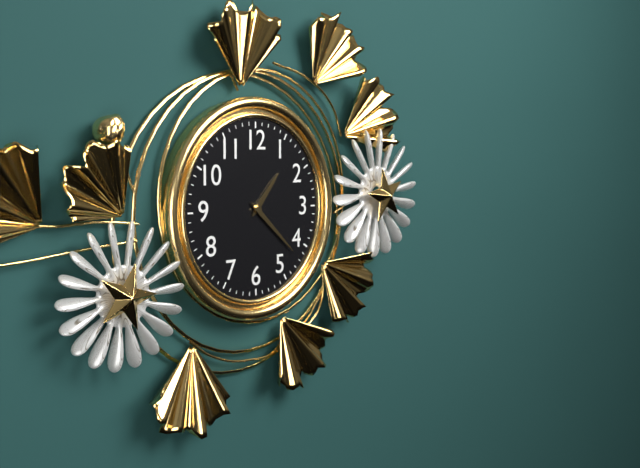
1:22
